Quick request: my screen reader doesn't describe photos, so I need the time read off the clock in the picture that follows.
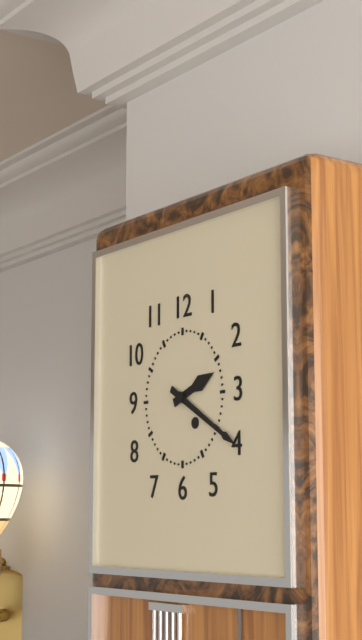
2:20
